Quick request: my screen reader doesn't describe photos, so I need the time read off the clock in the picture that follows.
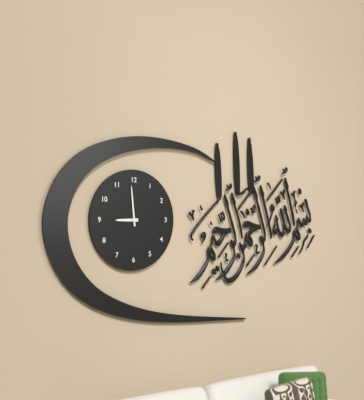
8:59
